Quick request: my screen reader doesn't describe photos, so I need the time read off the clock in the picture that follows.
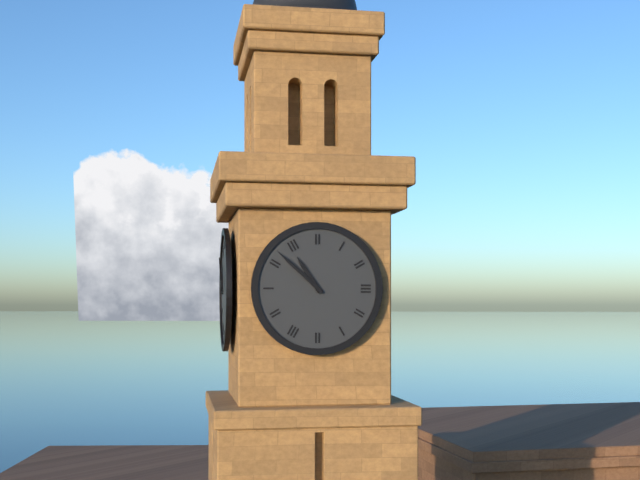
10:52
